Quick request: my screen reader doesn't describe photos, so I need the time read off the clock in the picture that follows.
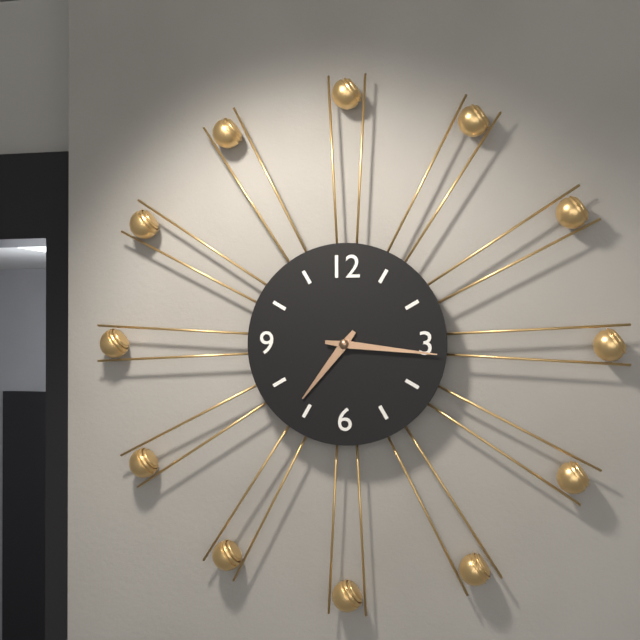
7:16
